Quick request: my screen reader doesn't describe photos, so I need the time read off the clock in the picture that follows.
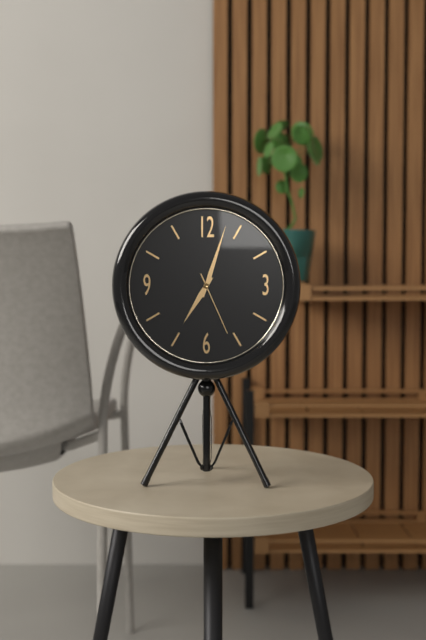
7:03:26
